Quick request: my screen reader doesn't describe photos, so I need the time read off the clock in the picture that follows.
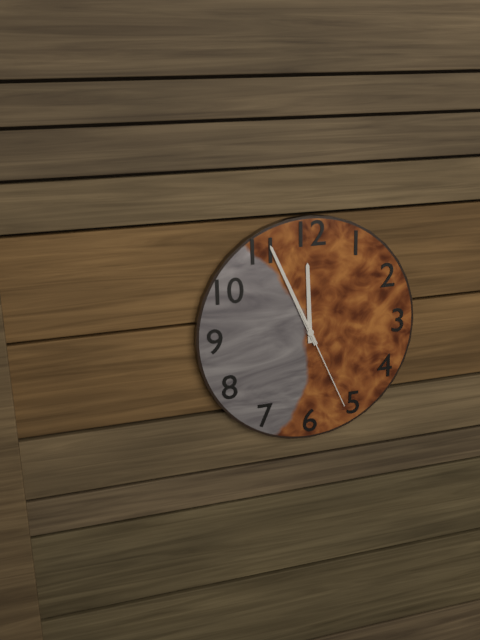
11:56:26
